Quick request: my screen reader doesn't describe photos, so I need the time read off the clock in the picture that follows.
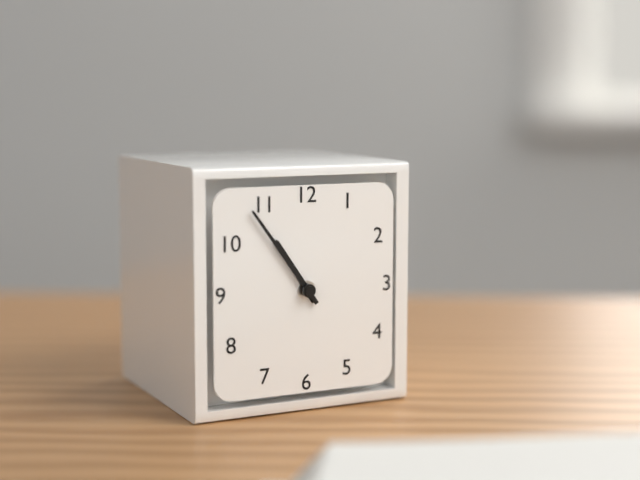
10:54
